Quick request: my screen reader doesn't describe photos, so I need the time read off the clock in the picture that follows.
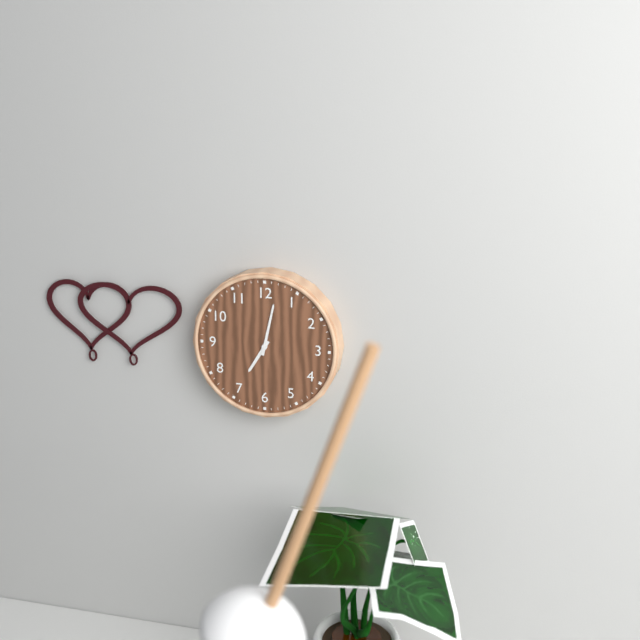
7:02
